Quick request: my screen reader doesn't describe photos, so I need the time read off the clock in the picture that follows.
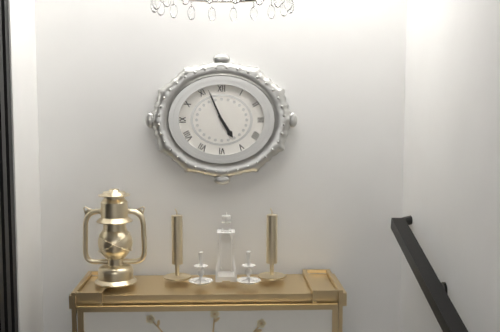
4:56
